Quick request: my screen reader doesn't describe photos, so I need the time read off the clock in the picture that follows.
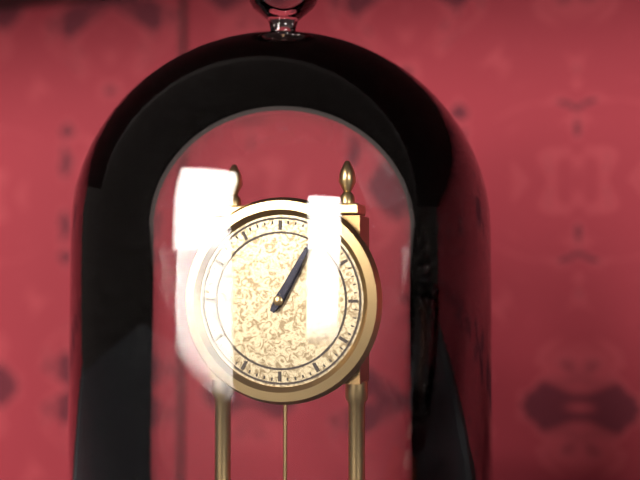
1:05
